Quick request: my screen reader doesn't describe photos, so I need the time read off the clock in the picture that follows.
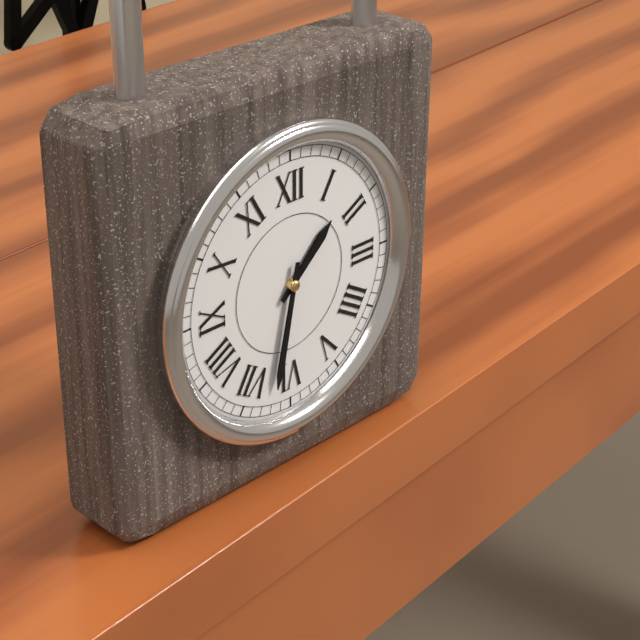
1:32
